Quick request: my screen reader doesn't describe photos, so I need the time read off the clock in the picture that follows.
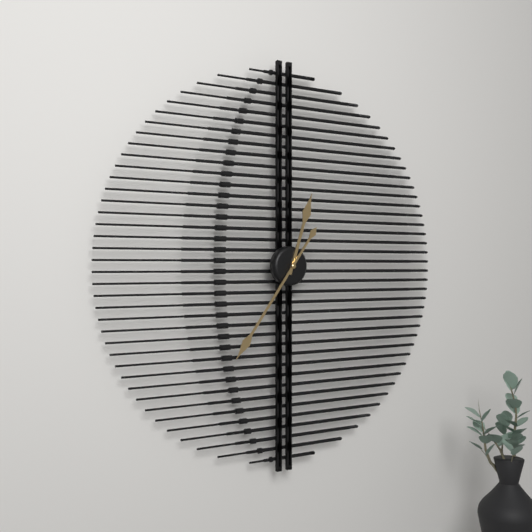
12:36
